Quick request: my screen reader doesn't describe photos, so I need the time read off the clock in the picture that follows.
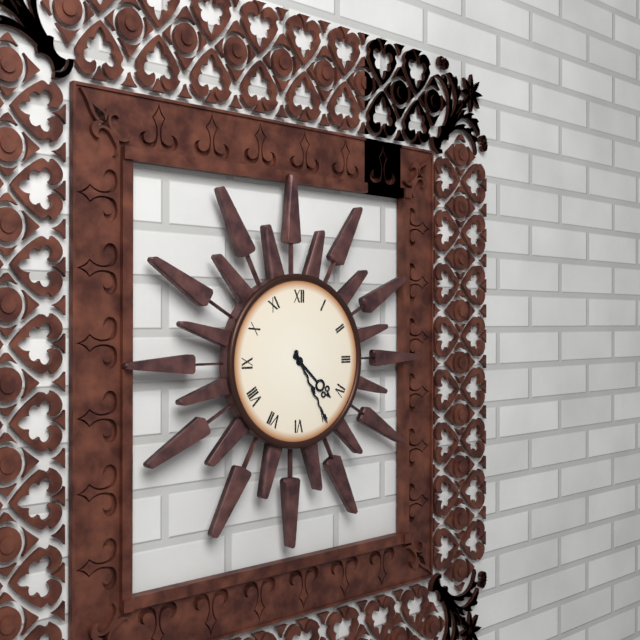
4:25
